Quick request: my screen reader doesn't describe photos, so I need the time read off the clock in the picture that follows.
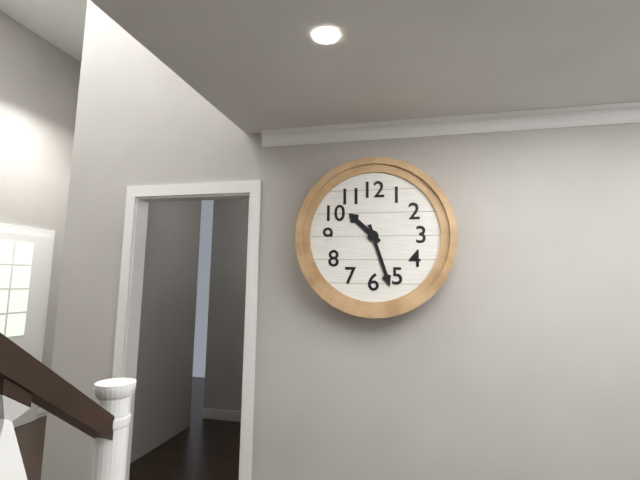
10:27
